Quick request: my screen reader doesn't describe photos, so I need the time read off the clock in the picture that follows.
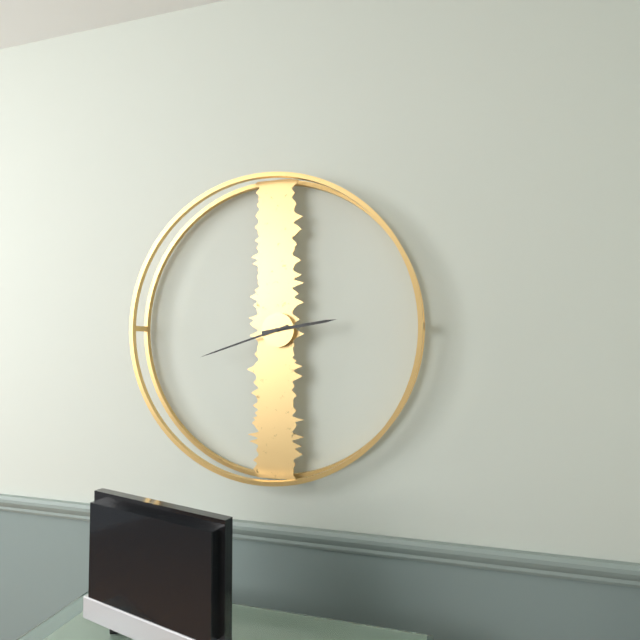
2:42
